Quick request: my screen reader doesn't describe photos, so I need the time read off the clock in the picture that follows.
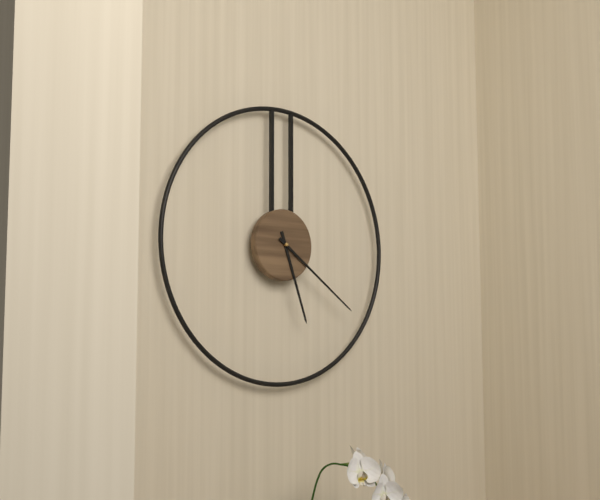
5:21
